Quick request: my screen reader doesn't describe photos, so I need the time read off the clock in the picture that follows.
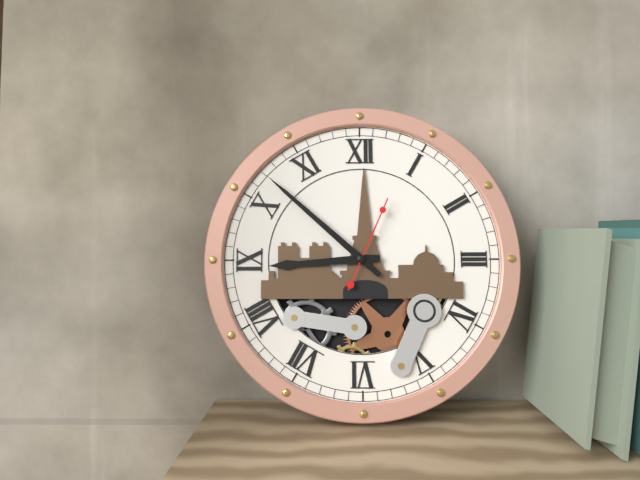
8:52:04
